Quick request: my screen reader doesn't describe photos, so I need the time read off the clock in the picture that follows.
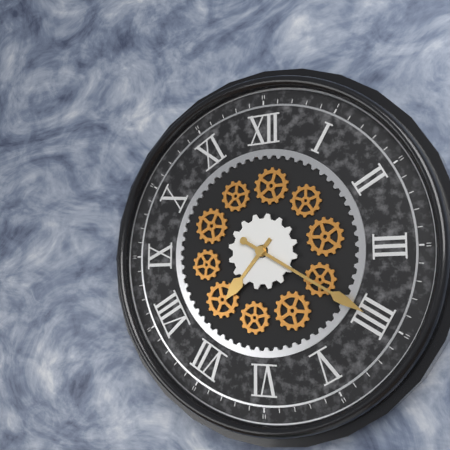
7:20
